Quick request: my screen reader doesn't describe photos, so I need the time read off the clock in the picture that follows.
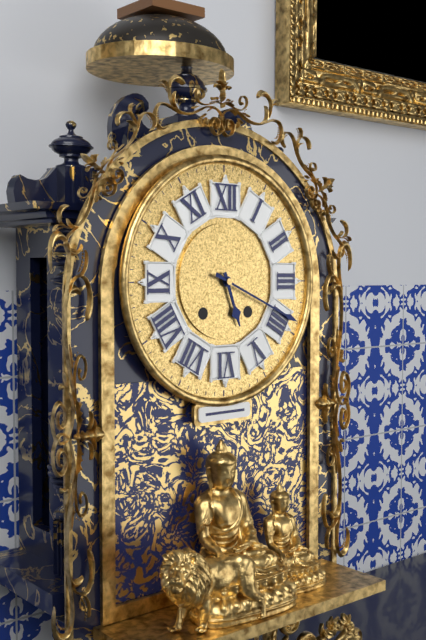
5:19
